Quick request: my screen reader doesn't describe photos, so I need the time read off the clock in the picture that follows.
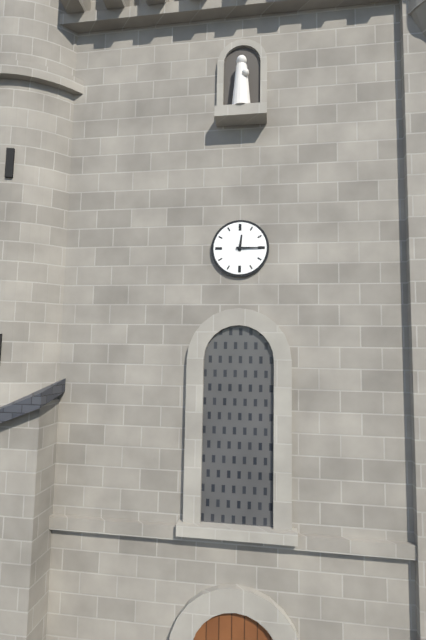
12:15
